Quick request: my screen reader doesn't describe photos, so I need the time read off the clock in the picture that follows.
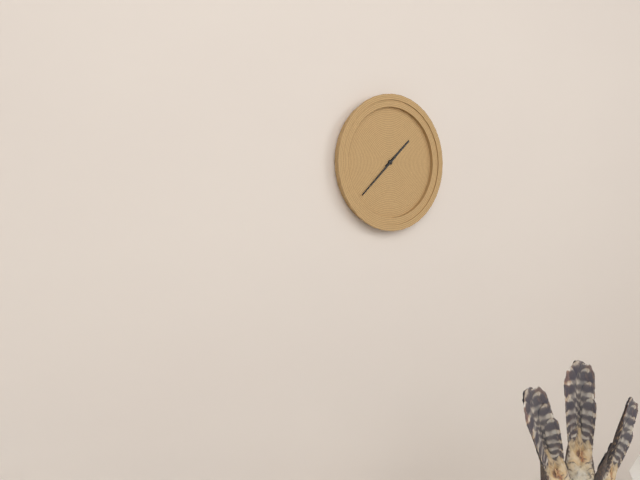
1:38
